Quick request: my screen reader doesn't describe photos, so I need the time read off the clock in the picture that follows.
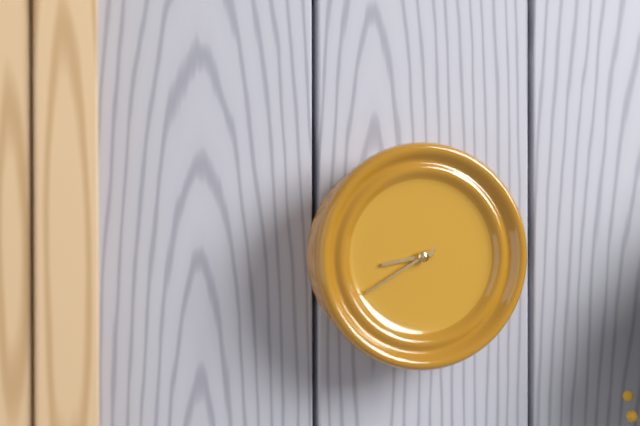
8:40
